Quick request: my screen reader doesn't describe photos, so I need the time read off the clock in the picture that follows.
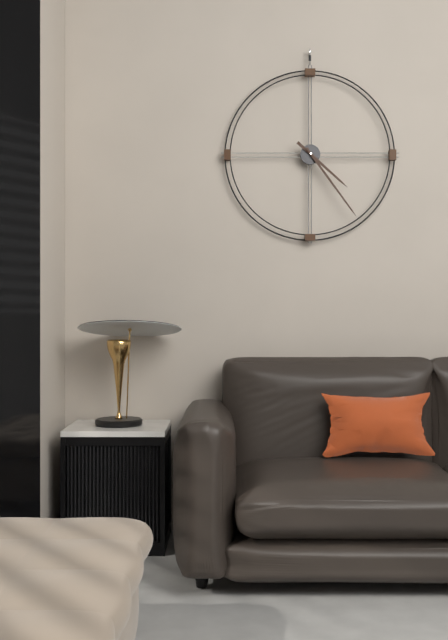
4:24
